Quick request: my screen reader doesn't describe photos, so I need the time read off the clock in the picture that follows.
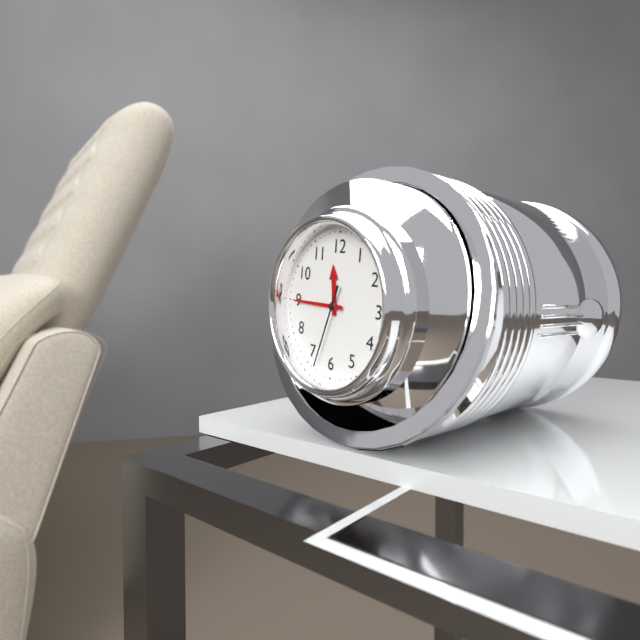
11:45:33
